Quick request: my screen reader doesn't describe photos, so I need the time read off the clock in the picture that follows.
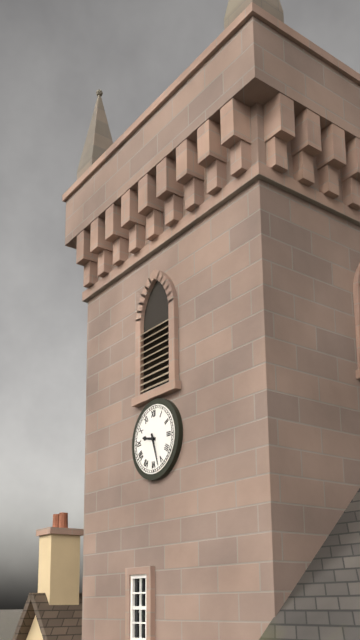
9:27
